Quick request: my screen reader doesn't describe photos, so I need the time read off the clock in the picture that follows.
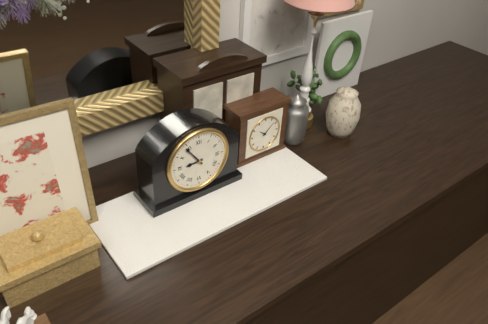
8:54
